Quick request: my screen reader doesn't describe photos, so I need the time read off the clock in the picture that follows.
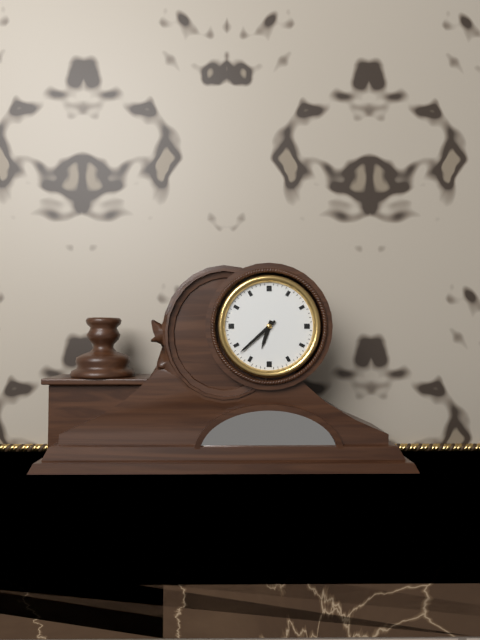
6:38
